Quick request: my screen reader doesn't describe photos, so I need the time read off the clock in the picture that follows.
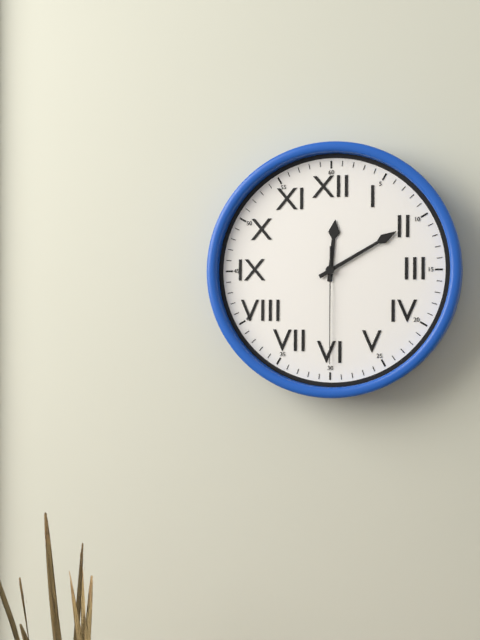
12:10:30
